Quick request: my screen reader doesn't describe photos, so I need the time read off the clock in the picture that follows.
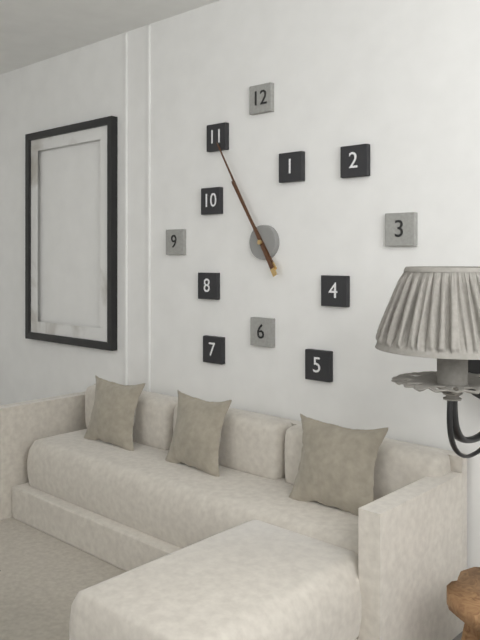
10:55
